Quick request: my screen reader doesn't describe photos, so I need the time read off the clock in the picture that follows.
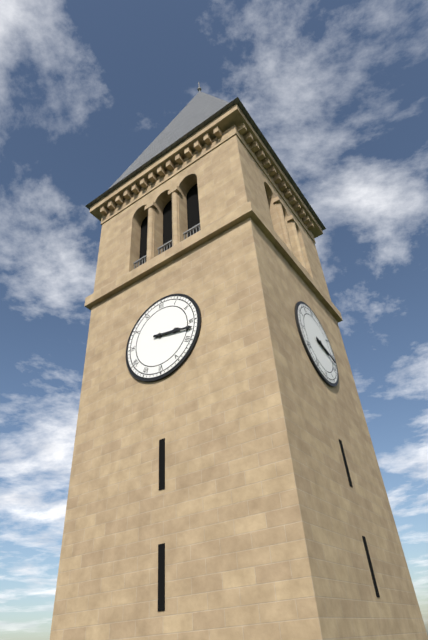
3:17
